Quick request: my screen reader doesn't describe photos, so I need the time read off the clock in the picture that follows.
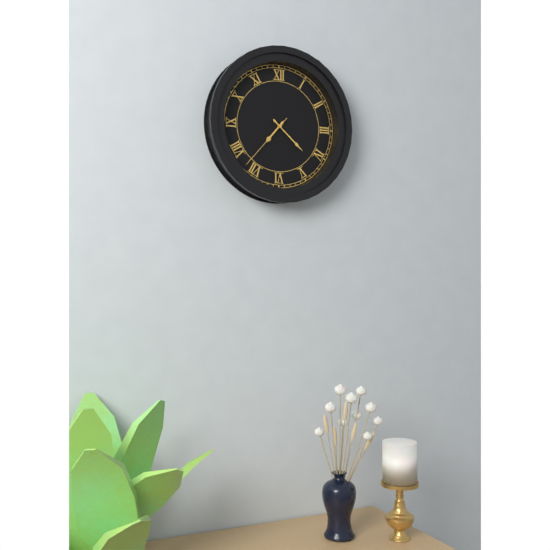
7:22:37
